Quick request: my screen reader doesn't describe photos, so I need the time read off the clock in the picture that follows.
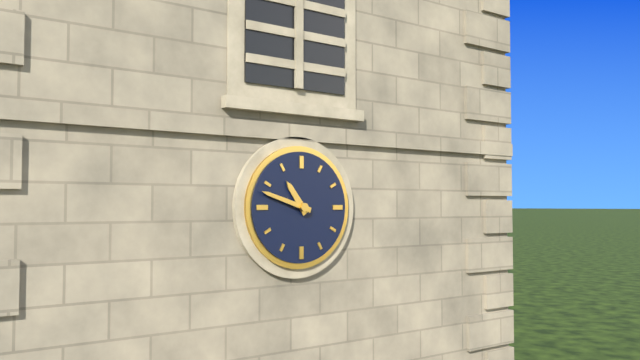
10:48
